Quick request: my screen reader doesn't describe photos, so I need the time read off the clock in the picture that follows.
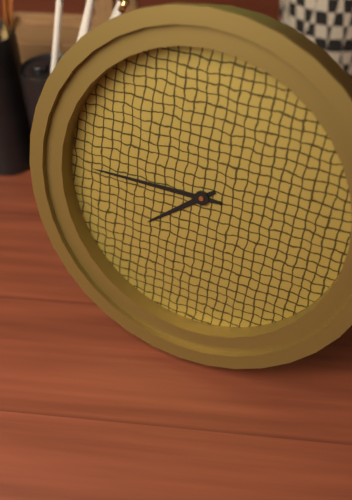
7:45
